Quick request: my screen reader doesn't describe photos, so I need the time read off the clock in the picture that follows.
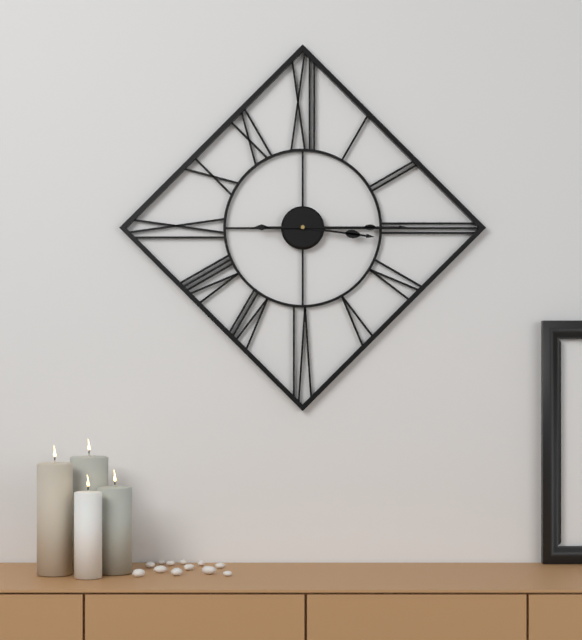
3:15
